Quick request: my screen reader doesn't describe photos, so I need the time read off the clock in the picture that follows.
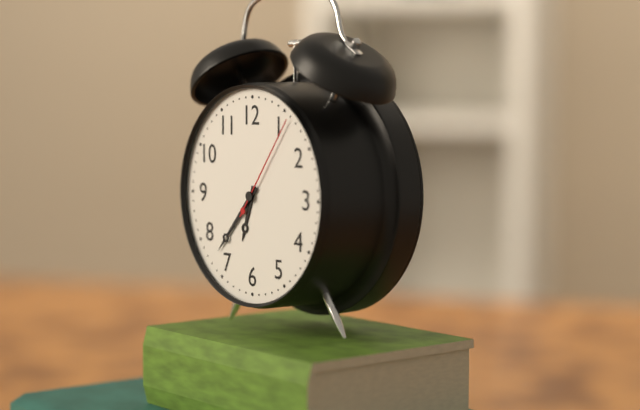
6:37:06
